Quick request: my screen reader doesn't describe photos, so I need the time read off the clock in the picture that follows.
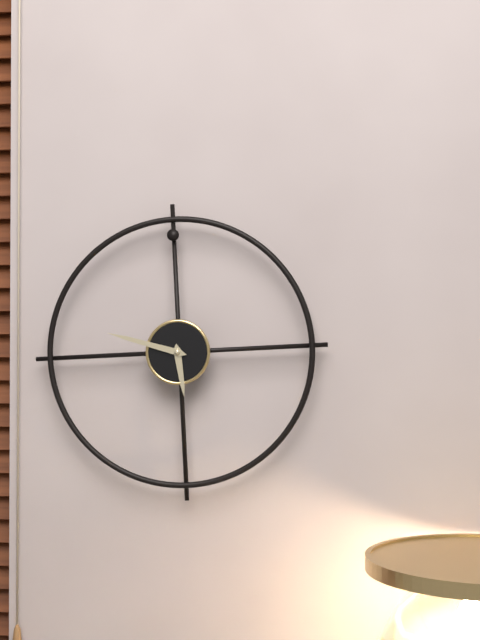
5:48
